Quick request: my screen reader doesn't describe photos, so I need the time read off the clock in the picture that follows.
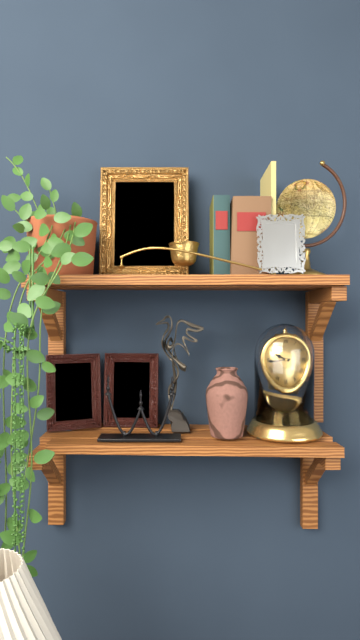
9:44
